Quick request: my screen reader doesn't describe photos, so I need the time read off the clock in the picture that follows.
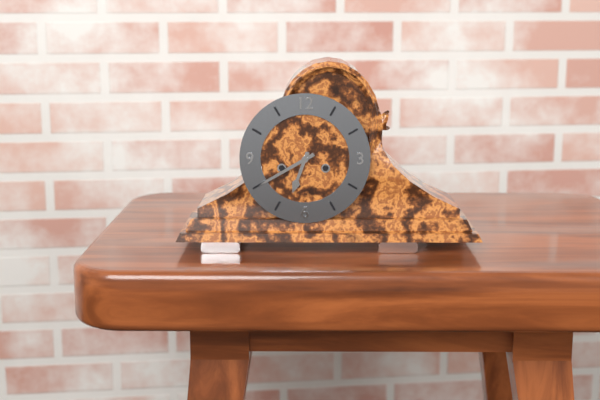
6:40
